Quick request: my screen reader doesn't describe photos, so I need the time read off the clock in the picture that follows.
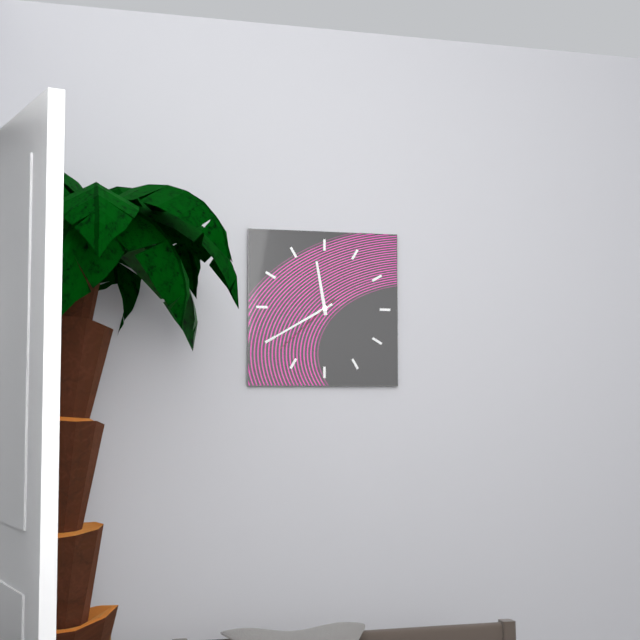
11:40:38
